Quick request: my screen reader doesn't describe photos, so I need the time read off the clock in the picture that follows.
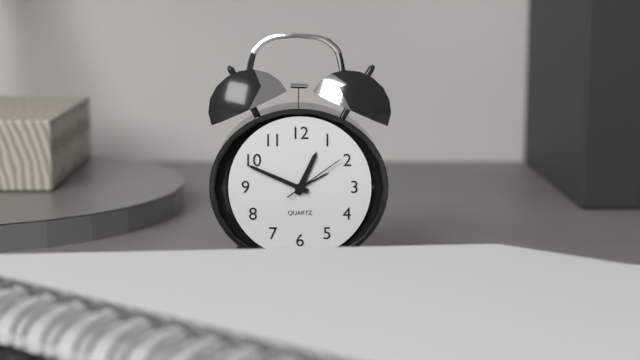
12:49:09
